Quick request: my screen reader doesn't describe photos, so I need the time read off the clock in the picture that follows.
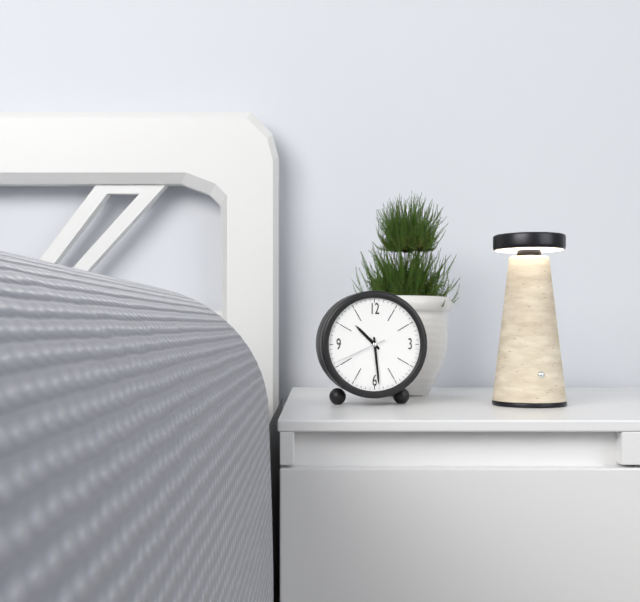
10:29:41
